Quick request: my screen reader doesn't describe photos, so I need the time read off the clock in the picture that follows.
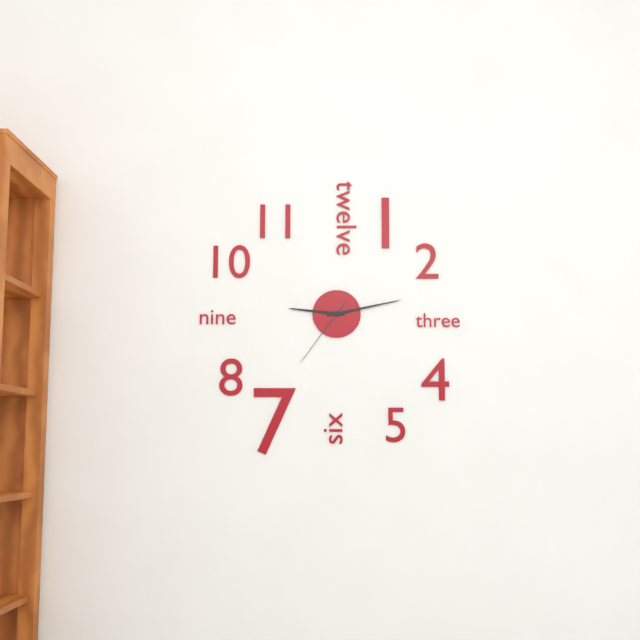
9:13:36
